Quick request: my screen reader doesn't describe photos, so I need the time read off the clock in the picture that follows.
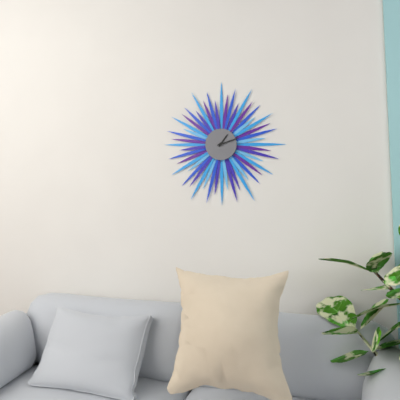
1:12
